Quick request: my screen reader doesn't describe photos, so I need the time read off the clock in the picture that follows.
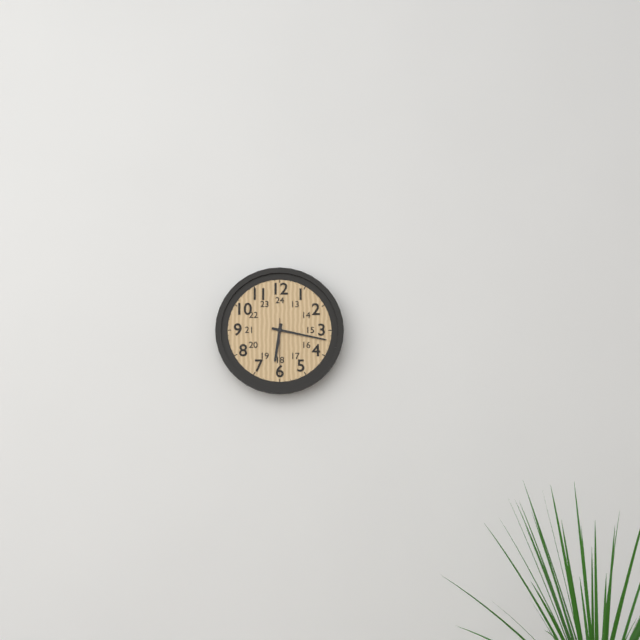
6:17:30
